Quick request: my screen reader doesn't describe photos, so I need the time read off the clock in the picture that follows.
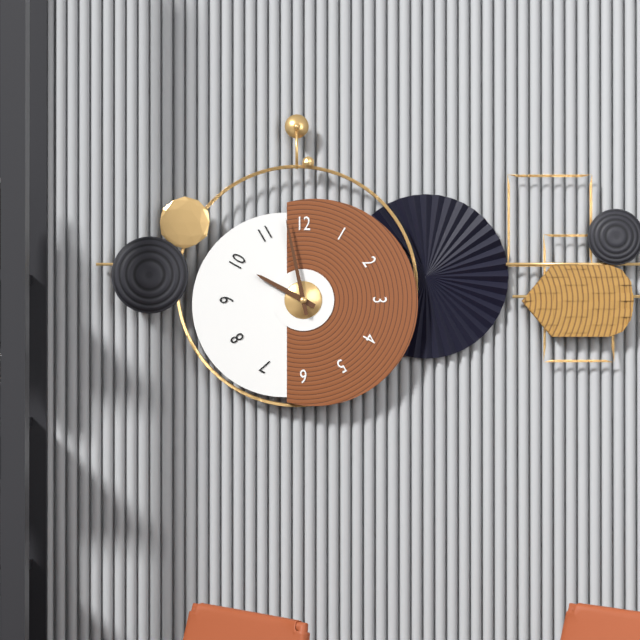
9:58
